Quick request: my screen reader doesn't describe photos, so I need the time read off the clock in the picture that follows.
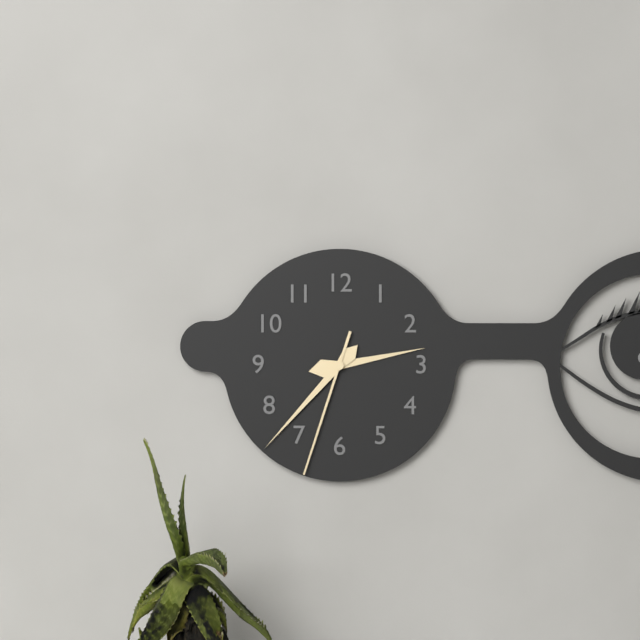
2:37:33
